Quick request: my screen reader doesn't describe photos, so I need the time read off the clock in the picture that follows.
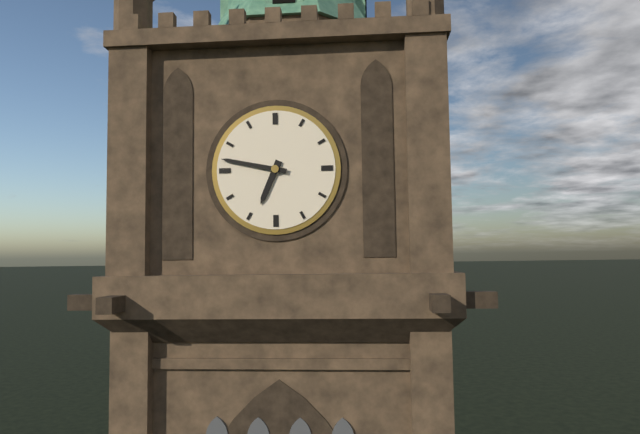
6:47
